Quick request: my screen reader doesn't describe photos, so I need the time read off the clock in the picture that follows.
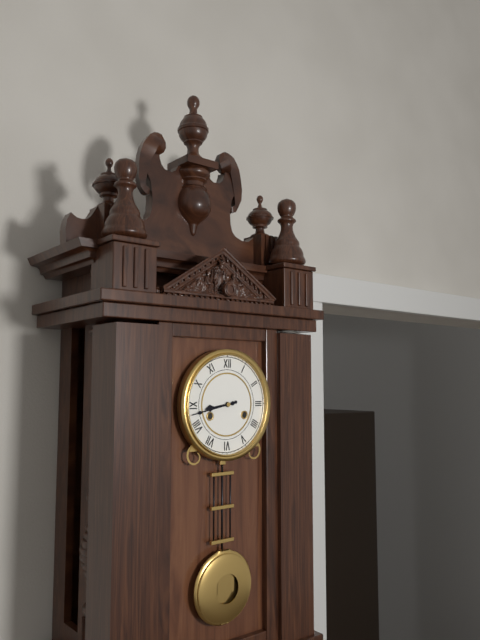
8:43
